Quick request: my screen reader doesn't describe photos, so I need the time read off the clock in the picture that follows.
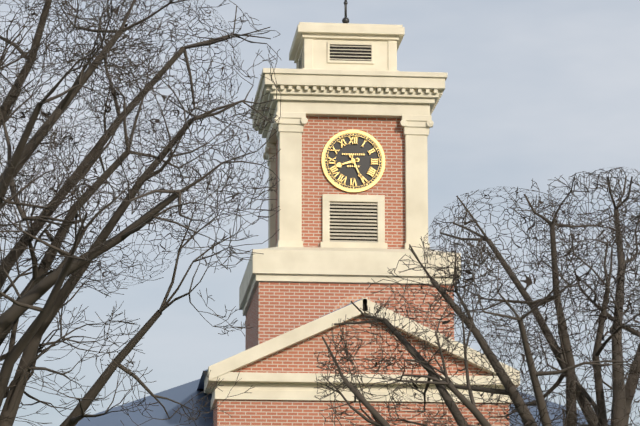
8:26
